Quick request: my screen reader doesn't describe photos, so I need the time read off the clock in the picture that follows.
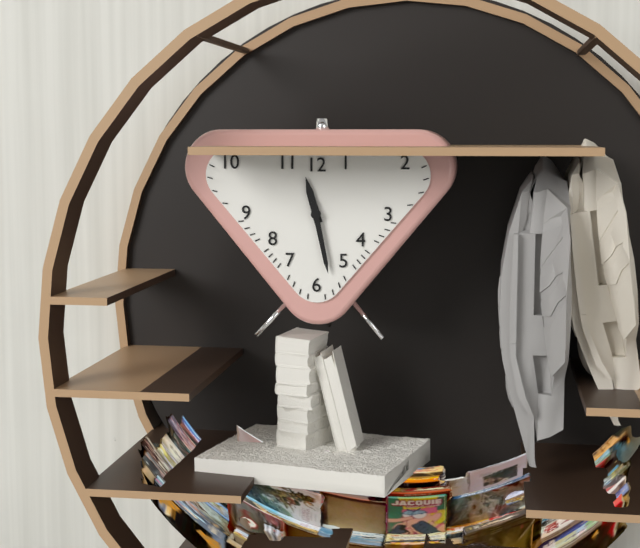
11:28
